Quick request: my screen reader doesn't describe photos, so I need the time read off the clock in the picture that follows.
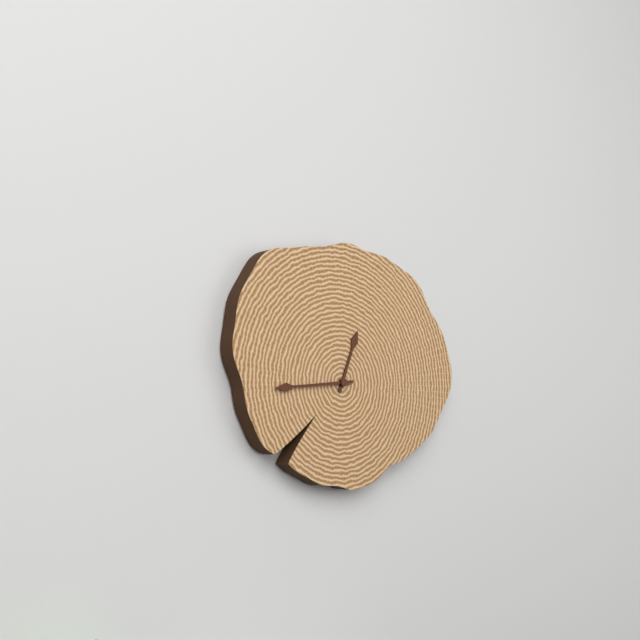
12:44
